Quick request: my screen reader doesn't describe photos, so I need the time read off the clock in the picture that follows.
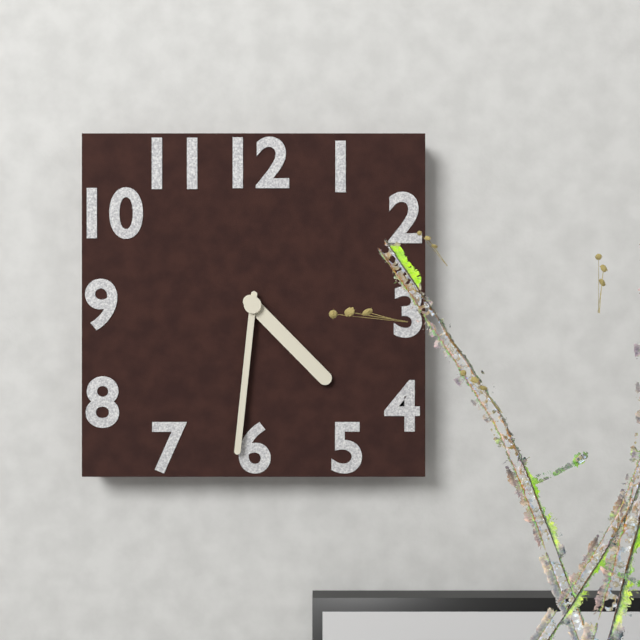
4:31
